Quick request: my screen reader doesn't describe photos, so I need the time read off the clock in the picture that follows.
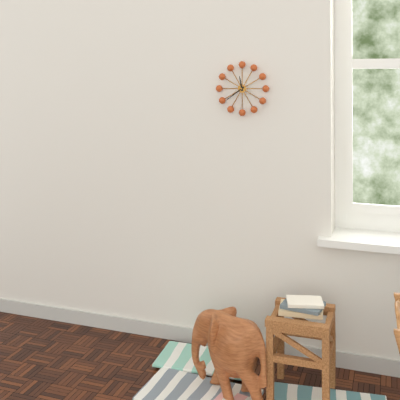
11:39
